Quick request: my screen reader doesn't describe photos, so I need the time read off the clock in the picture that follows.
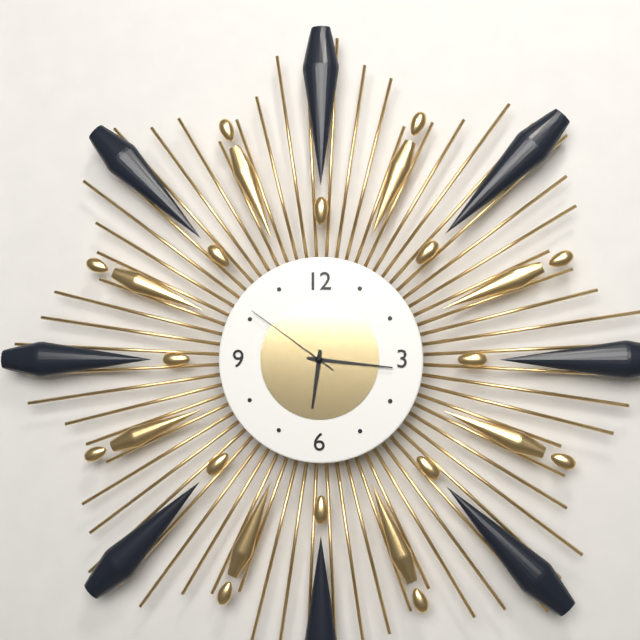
6:16:51
